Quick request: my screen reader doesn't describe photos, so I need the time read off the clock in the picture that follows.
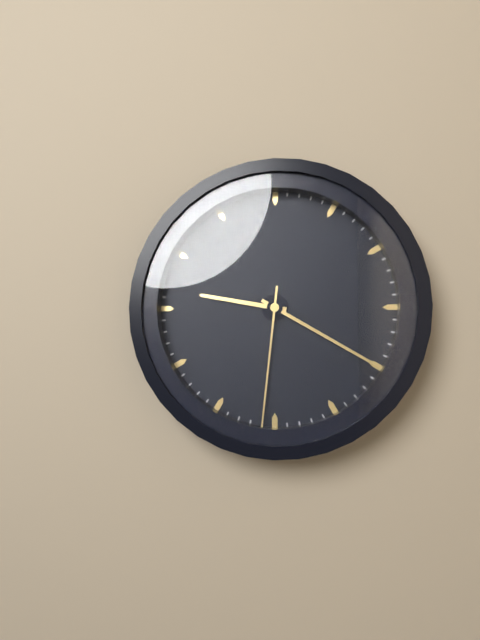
9:20:31
